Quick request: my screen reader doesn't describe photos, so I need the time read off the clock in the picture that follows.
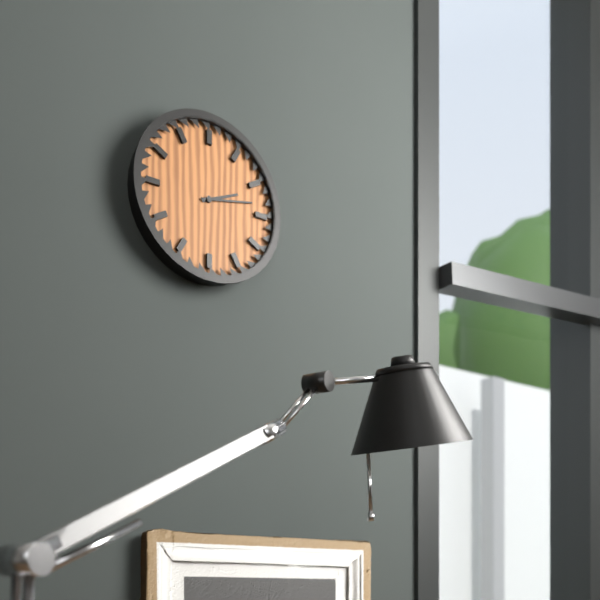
2:13
